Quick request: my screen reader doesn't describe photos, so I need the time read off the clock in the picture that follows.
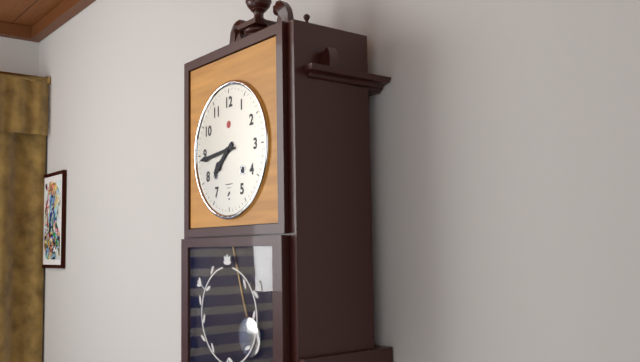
7:44
